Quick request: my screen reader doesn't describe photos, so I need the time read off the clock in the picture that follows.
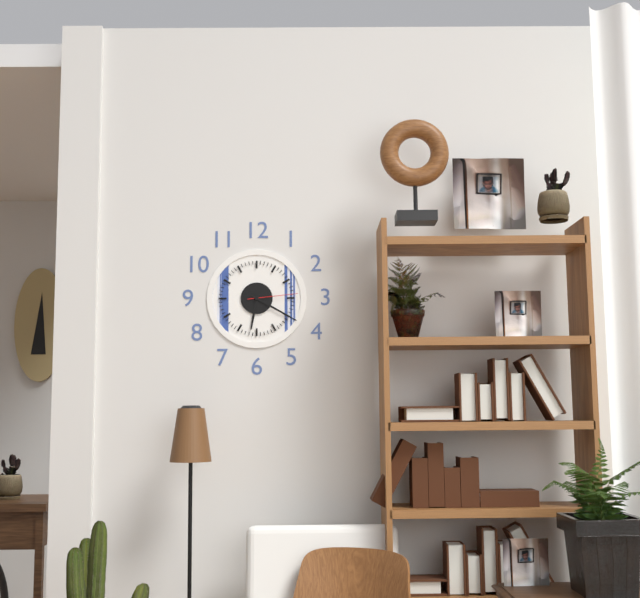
6:20:14
